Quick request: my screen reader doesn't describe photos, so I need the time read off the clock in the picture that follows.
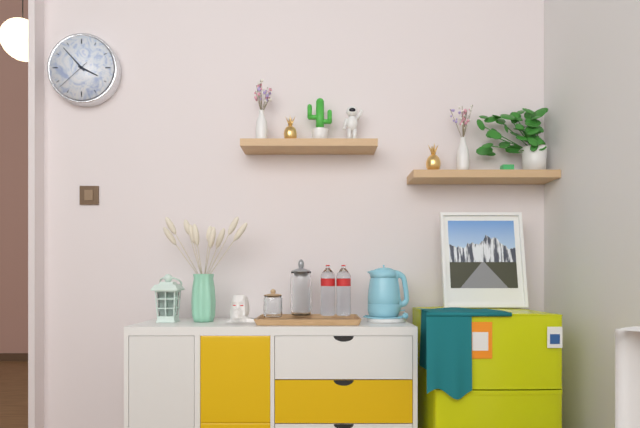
3:53
